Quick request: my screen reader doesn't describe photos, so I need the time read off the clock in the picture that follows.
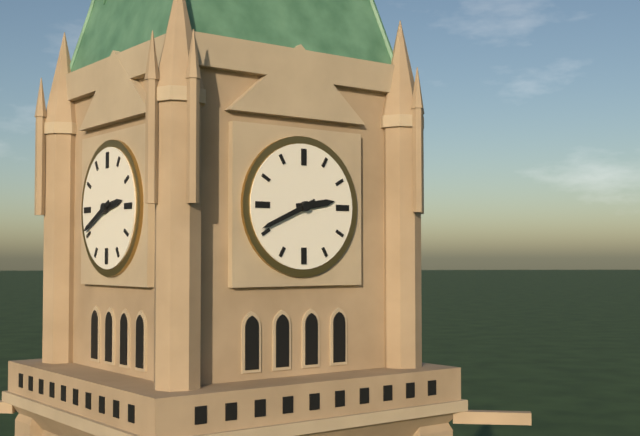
2:41
